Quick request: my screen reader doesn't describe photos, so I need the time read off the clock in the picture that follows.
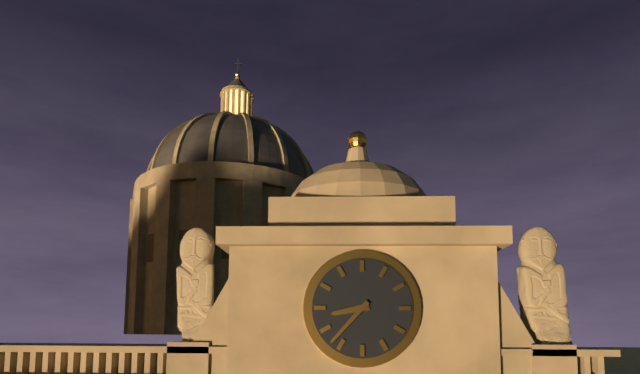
8:37
